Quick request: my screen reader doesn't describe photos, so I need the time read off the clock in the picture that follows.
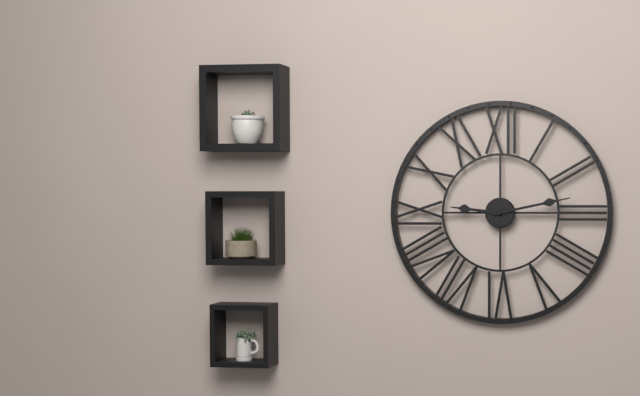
9:13
